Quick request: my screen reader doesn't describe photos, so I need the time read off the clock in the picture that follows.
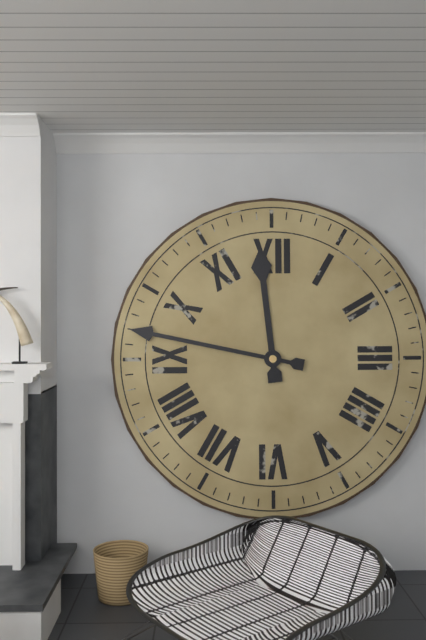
11:47
